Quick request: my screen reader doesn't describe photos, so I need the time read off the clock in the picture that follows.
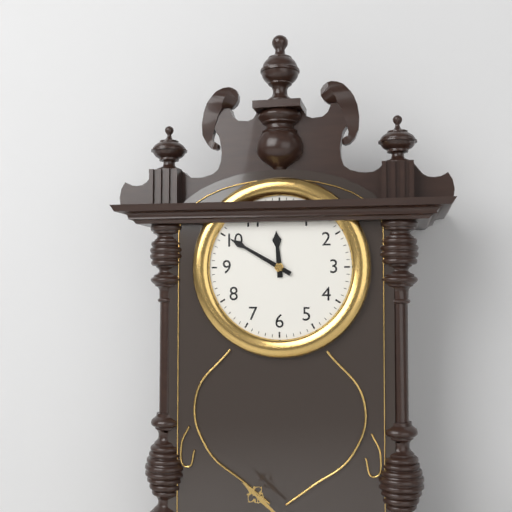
11:50
